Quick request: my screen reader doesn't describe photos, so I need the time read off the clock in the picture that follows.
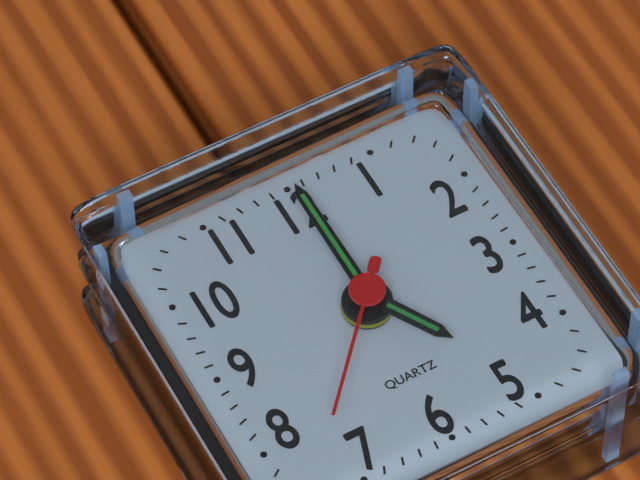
5:00:37
